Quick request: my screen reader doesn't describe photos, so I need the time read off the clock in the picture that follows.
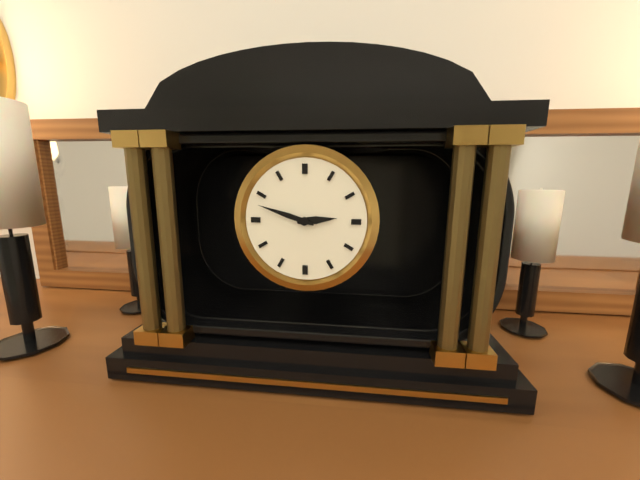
2:48
